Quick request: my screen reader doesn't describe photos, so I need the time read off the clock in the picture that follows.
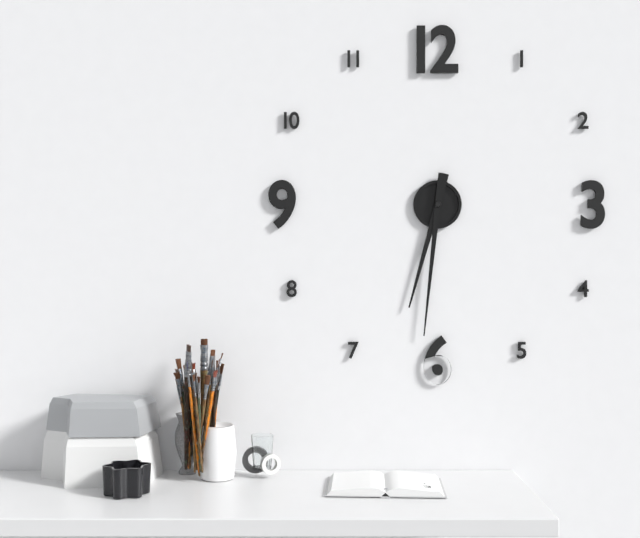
6:31
